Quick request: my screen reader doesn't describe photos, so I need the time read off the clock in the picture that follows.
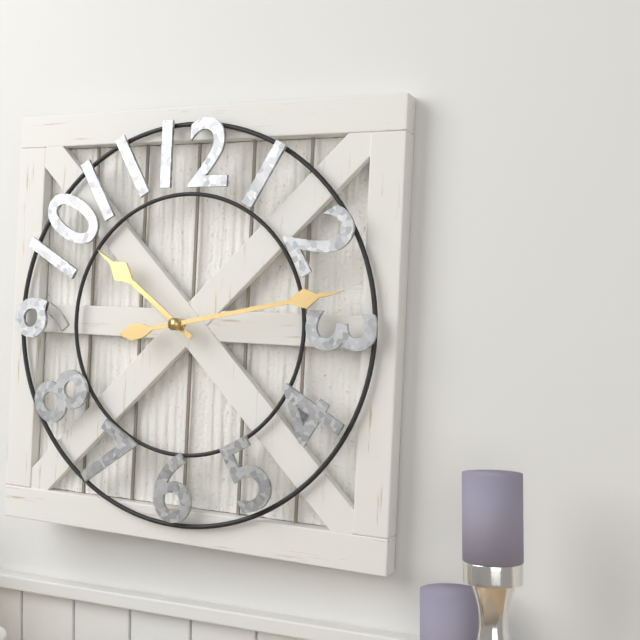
10:13
